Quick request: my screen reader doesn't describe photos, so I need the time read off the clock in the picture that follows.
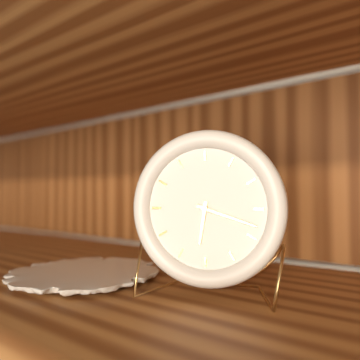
6:18
